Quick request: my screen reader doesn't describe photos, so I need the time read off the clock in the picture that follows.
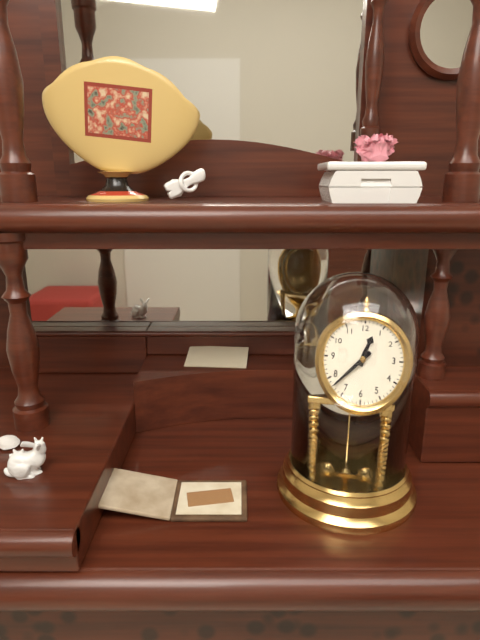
12:38
